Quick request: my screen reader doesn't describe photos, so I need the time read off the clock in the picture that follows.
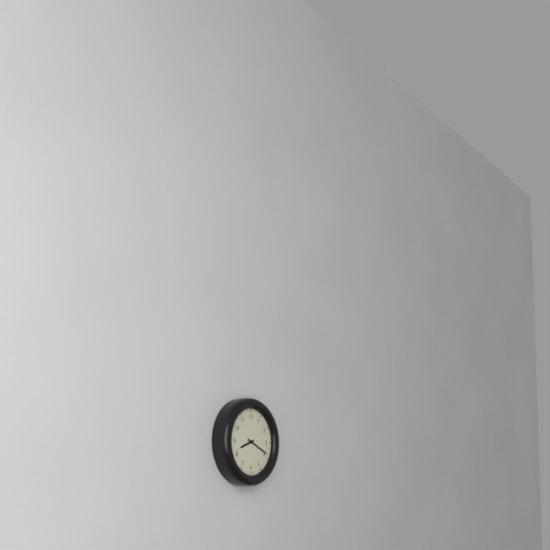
8:19
